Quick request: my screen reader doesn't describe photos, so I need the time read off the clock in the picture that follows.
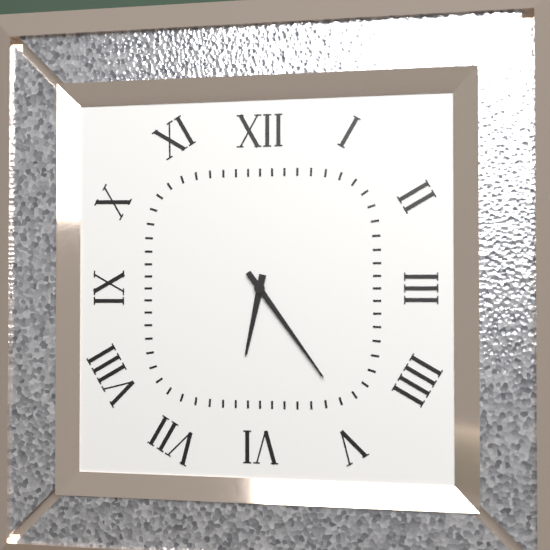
6:24
